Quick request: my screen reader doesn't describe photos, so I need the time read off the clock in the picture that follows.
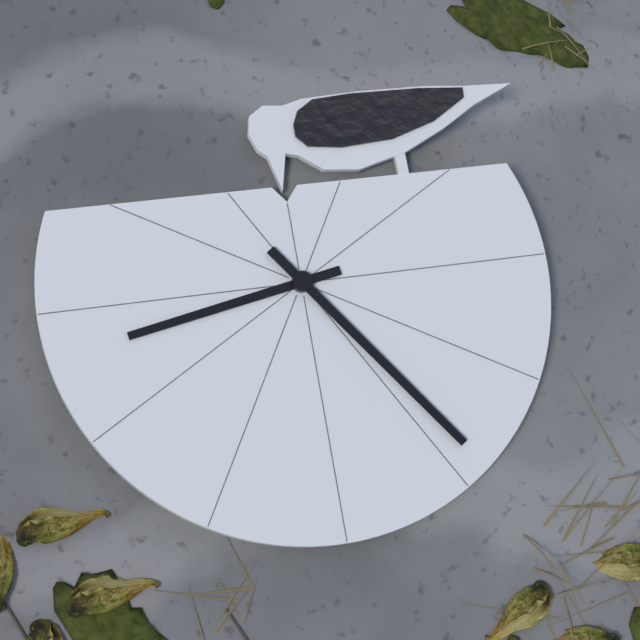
11:39
